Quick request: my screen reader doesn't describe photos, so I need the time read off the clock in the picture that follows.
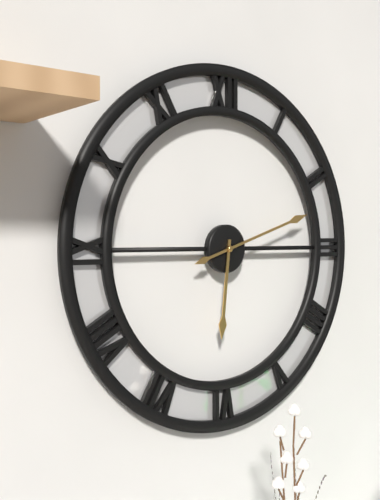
6:12
